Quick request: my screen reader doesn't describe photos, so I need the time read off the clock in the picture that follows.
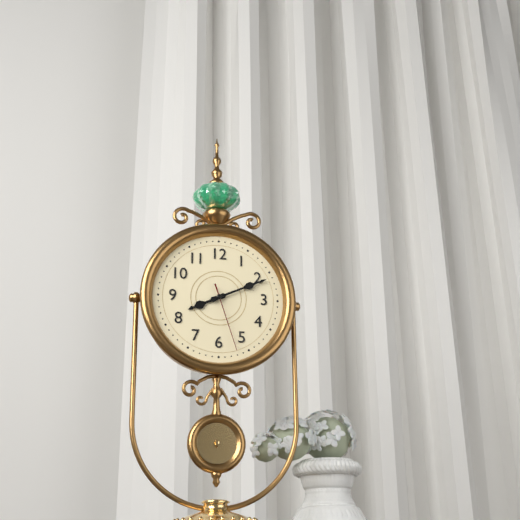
8:11:27
